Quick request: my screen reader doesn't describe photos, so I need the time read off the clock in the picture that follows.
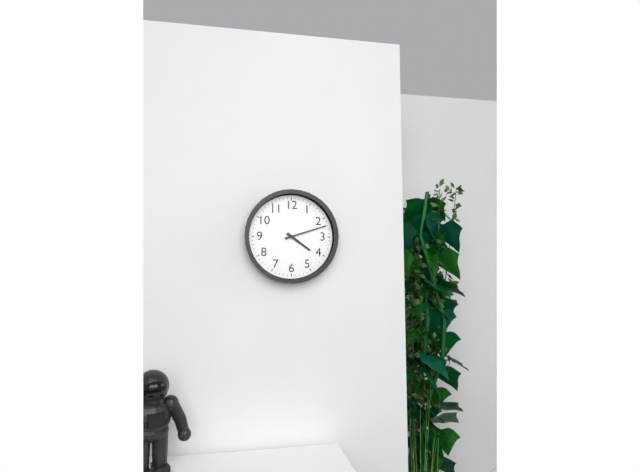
4:12
